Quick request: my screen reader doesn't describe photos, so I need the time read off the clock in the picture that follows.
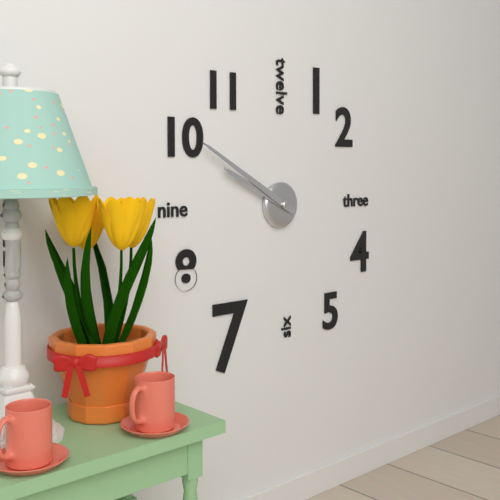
9:50
